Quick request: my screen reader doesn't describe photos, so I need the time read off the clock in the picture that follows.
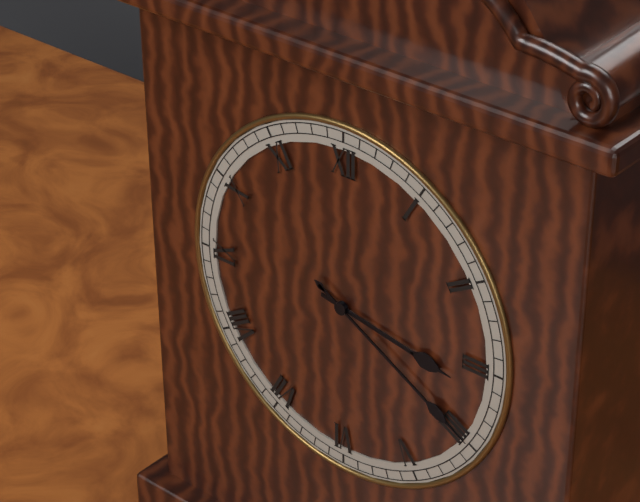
3:20
